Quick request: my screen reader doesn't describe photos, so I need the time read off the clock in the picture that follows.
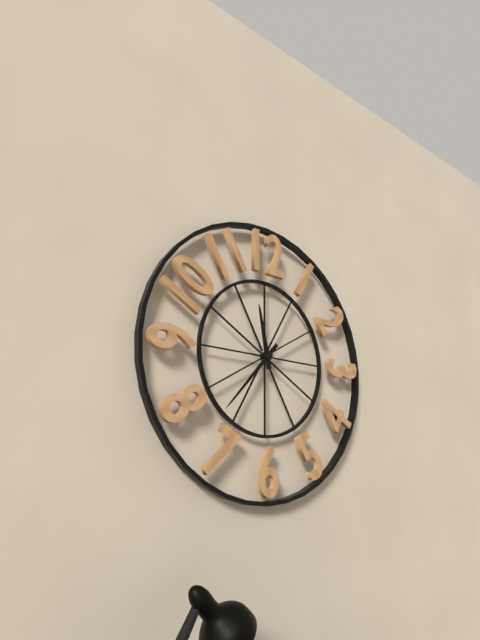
11:37
